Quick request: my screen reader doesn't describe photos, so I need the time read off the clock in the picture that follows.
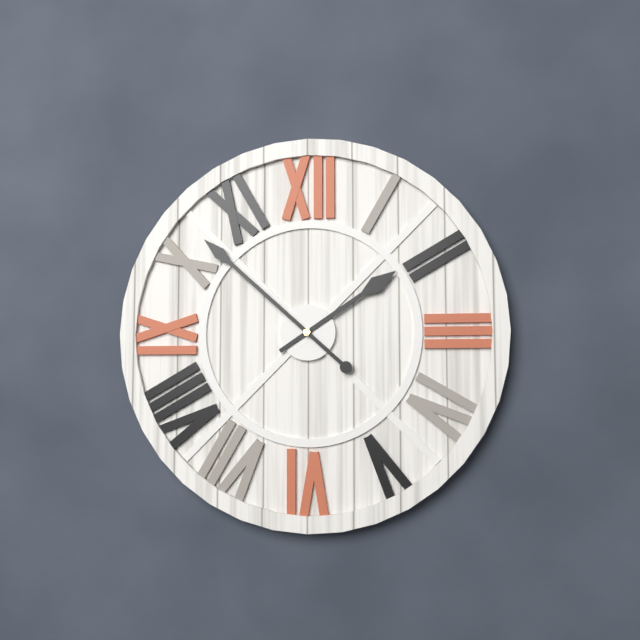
1:52
